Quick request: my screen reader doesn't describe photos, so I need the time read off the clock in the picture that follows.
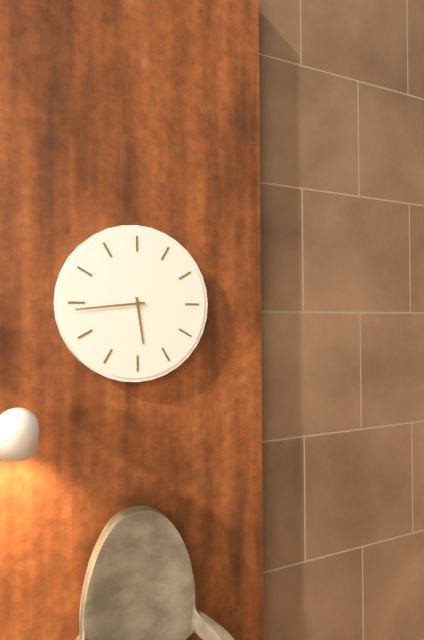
5:44
